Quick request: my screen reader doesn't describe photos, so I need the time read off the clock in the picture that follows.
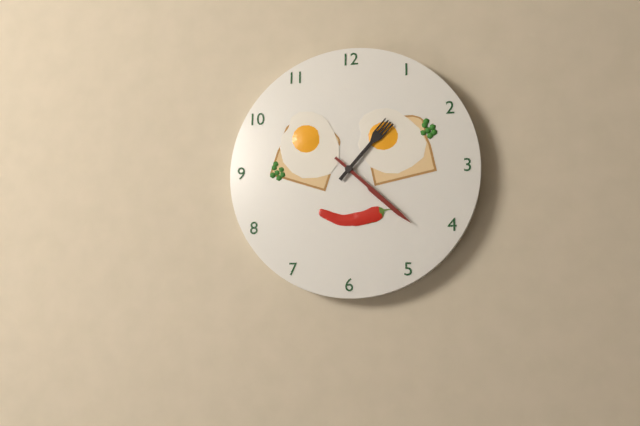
1:22
